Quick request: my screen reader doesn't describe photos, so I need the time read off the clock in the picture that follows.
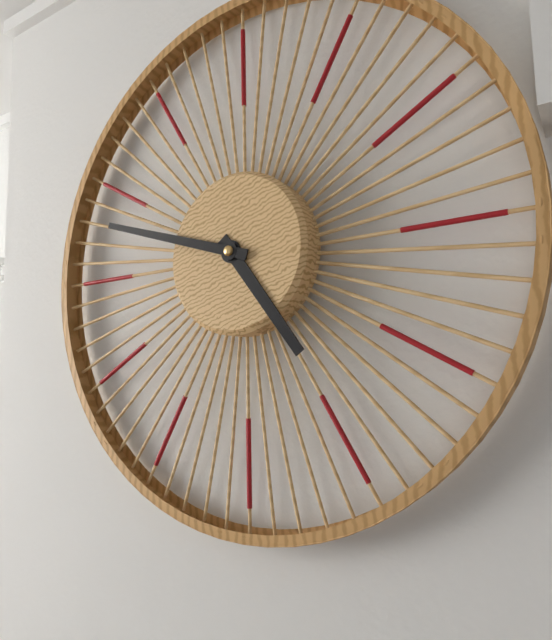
4:48
